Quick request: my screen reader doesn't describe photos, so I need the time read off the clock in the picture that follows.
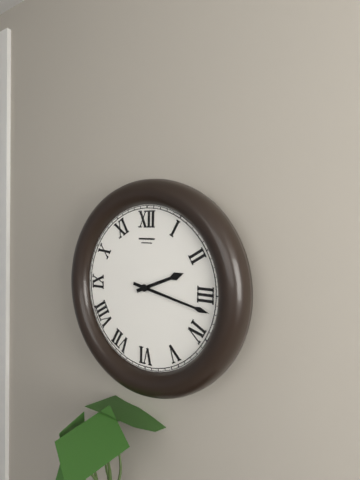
2:17
